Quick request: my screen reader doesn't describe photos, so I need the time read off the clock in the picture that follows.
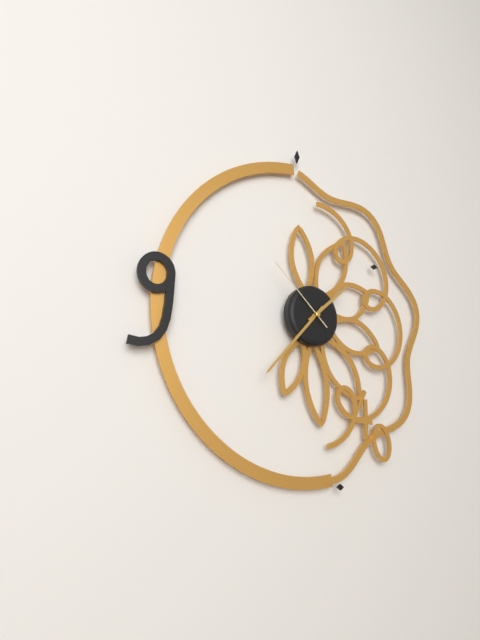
1:37:52
